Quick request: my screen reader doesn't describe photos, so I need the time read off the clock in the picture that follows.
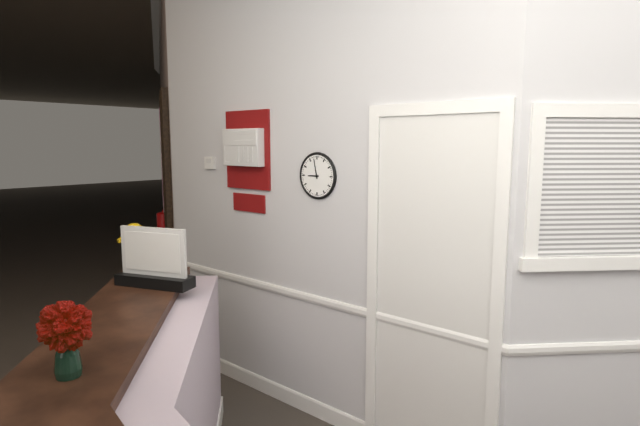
8:58
